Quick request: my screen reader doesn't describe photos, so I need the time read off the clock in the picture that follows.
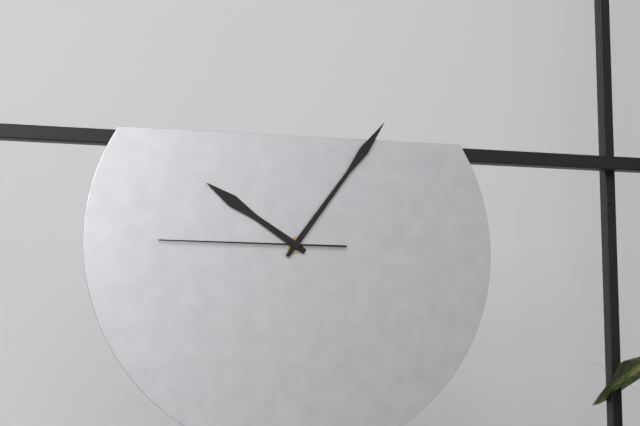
10:06:45
